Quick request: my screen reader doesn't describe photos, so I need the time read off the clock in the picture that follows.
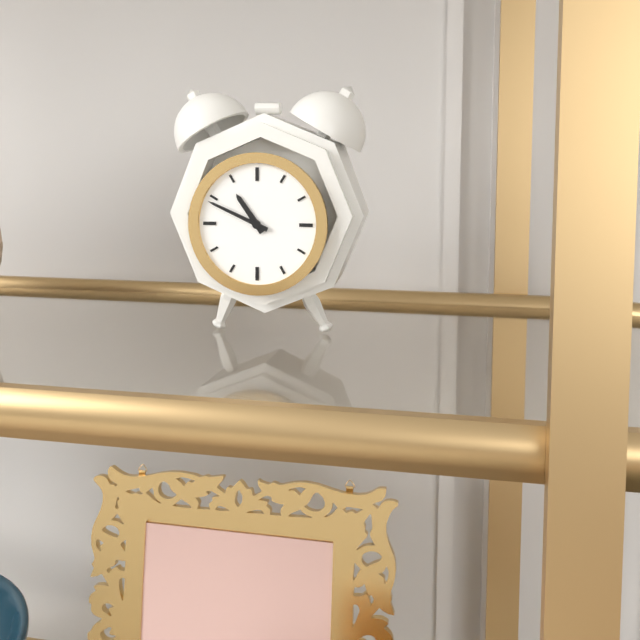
10:49
